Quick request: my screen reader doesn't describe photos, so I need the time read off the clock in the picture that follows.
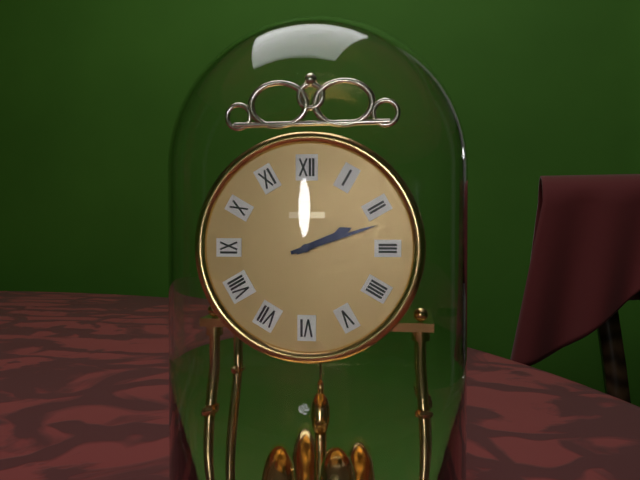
2:12
